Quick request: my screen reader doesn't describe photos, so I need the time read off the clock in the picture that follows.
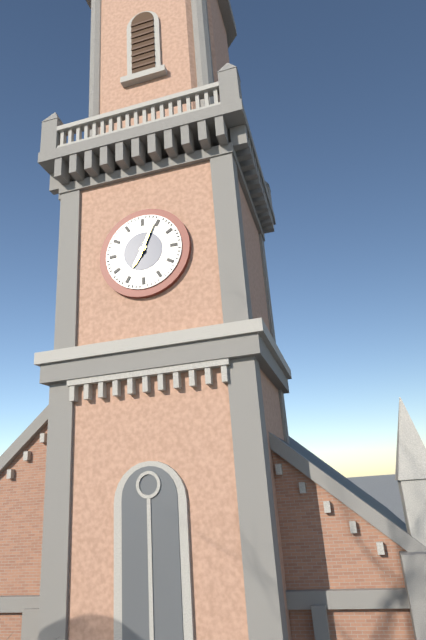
7:04
